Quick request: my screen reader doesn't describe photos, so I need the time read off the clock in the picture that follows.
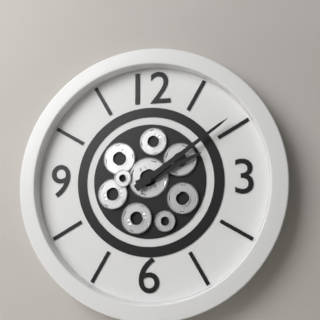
2:09
